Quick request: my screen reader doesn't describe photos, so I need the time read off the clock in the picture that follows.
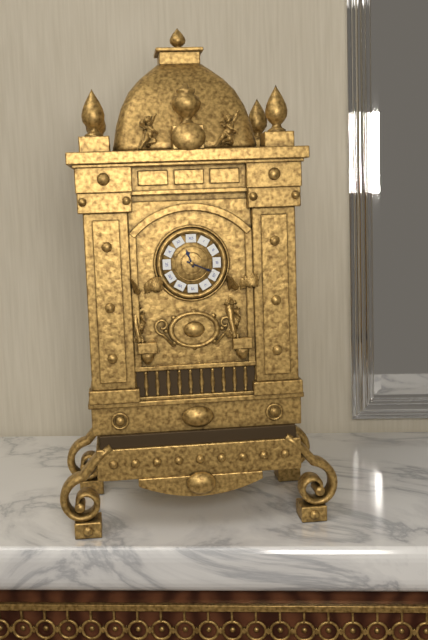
11:19
